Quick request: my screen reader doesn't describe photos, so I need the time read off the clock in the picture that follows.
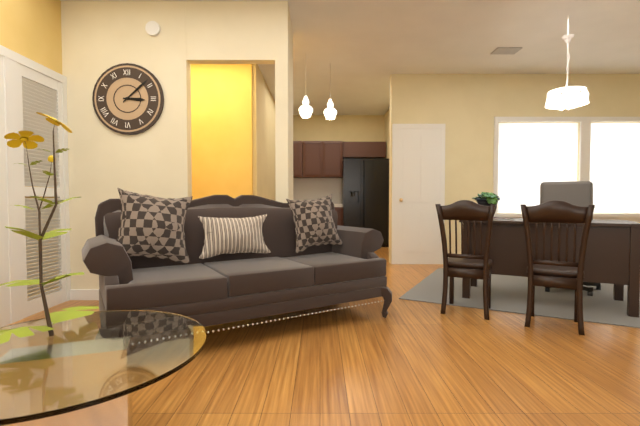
3:08
